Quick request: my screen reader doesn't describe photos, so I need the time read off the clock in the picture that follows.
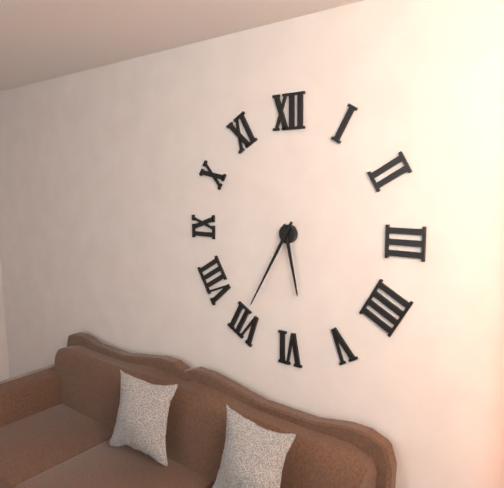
5:35
